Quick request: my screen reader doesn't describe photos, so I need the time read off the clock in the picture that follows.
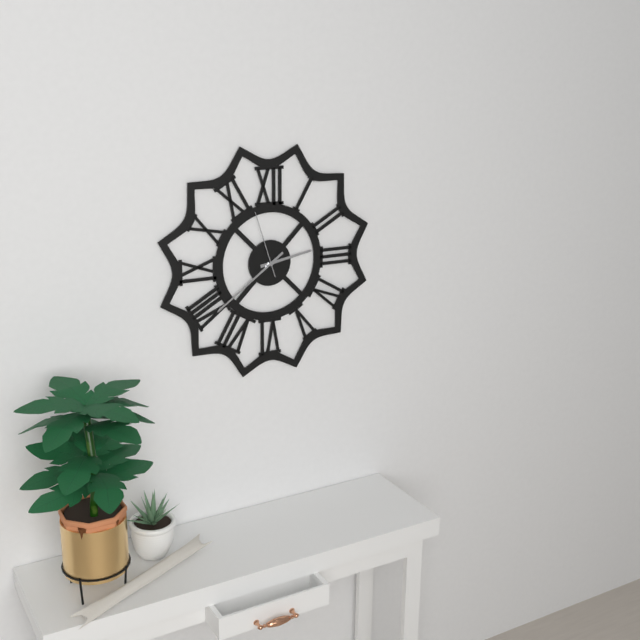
2:39:57
